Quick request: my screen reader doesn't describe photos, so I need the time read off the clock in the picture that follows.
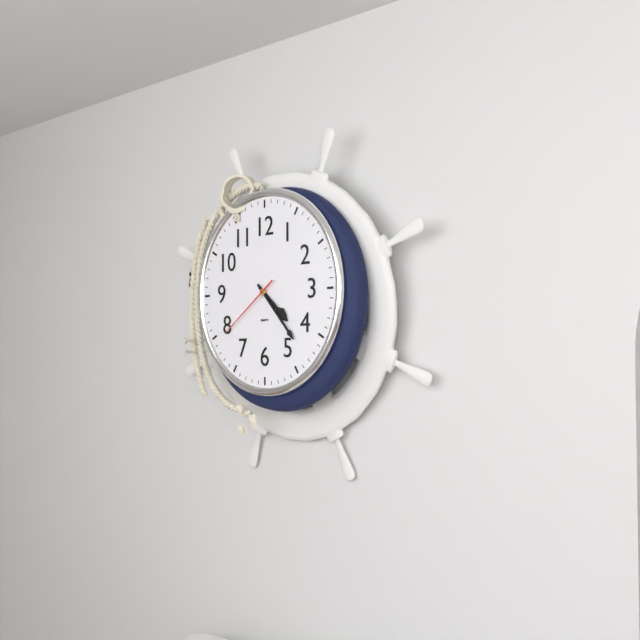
4:23:39
